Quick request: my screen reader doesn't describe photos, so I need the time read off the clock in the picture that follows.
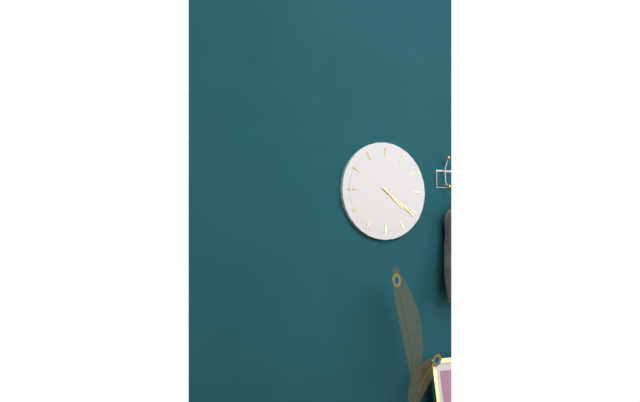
4:21
